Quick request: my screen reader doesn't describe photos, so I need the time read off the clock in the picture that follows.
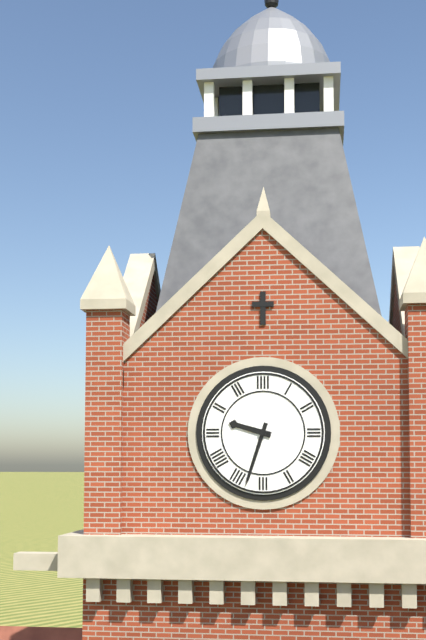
9:33
